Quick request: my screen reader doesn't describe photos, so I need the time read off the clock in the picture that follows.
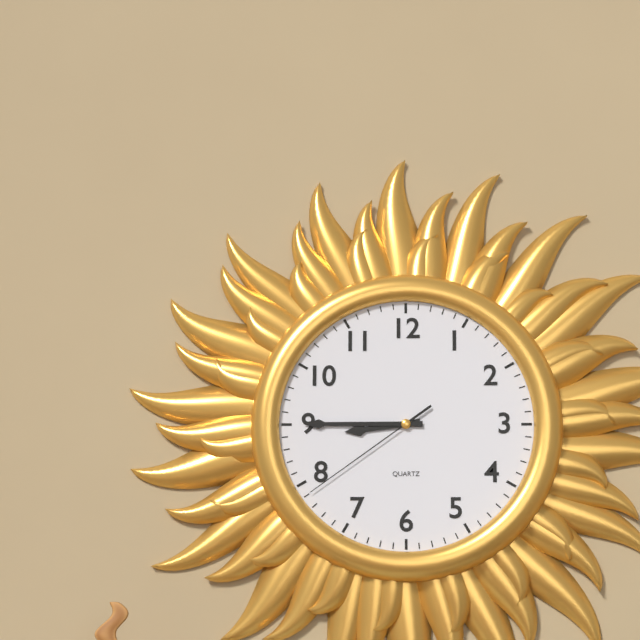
8:45:39
